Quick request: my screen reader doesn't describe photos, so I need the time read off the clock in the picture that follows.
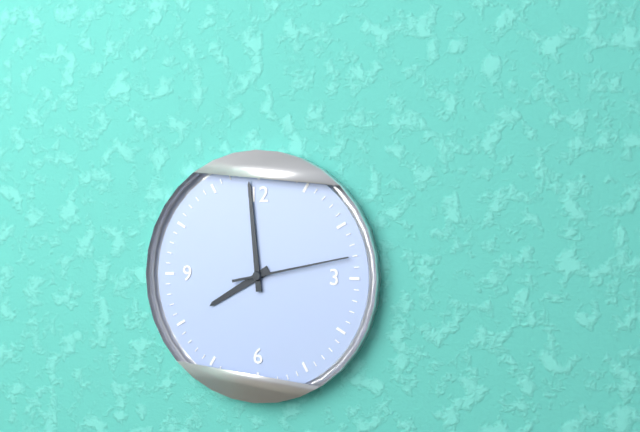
7:59:13
